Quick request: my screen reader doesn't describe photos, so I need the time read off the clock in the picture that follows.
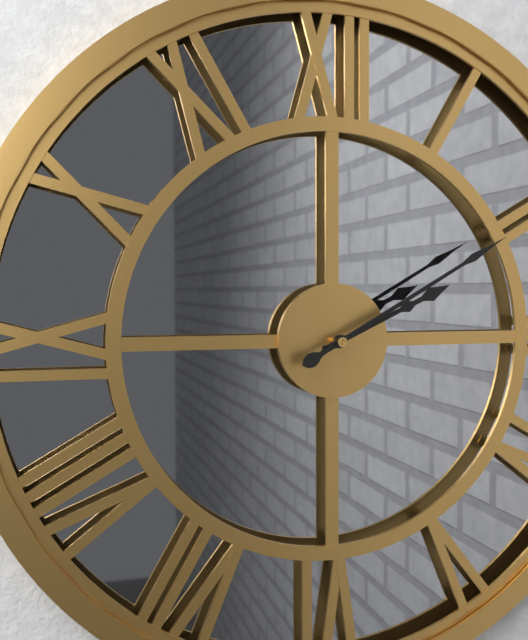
2:10
